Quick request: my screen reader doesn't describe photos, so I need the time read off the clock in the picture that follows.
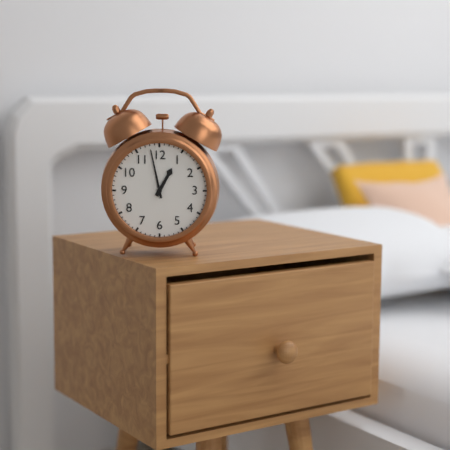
12:58
